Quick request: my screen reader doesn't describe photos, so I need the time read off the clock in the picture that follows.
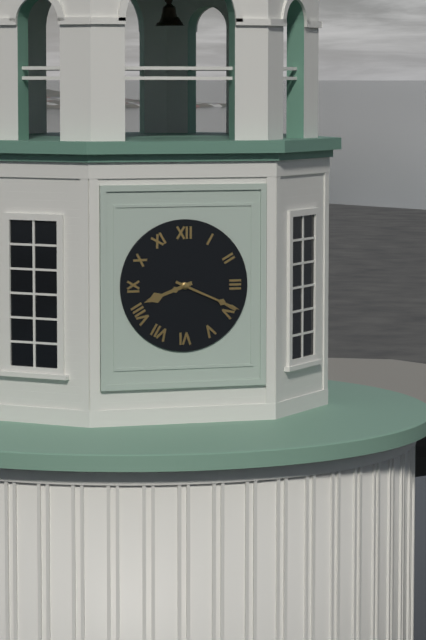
8:19
